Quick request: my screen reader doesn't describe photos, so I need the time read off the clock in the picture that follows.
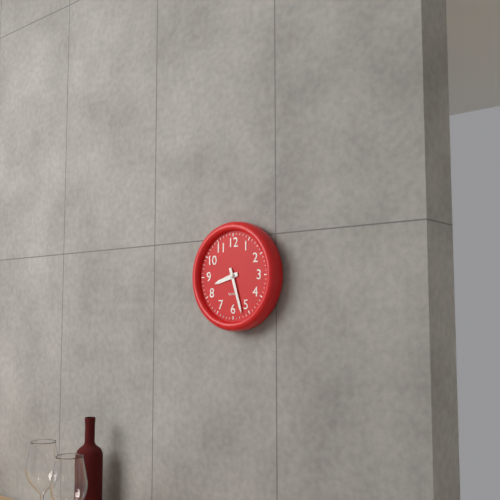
8:27
